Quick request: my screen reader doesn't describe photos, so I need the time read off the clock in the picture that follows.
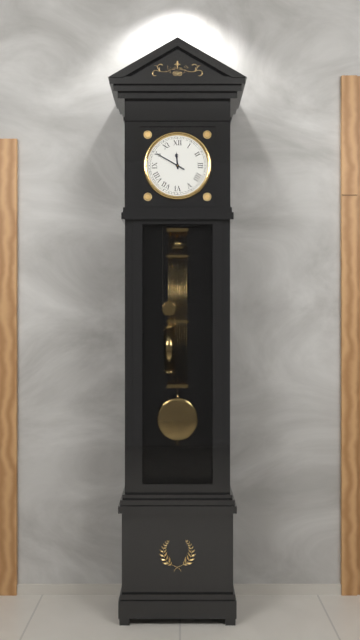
11:50
